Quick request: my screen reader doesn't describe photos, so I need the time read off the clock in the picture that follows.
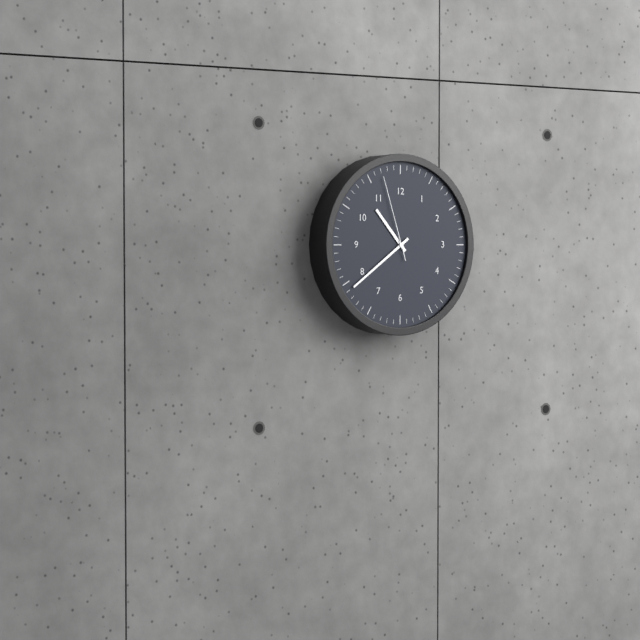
10:39:57
